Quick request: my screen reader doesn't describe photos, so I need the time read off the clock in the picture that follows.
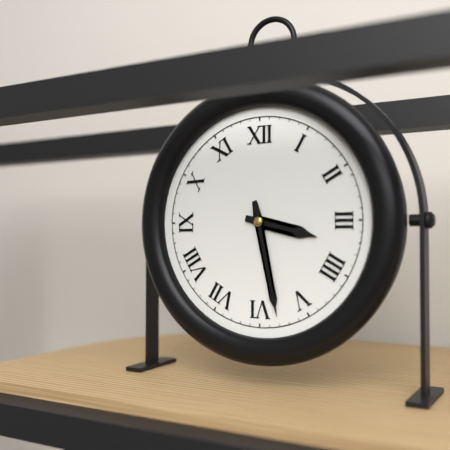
3:28
